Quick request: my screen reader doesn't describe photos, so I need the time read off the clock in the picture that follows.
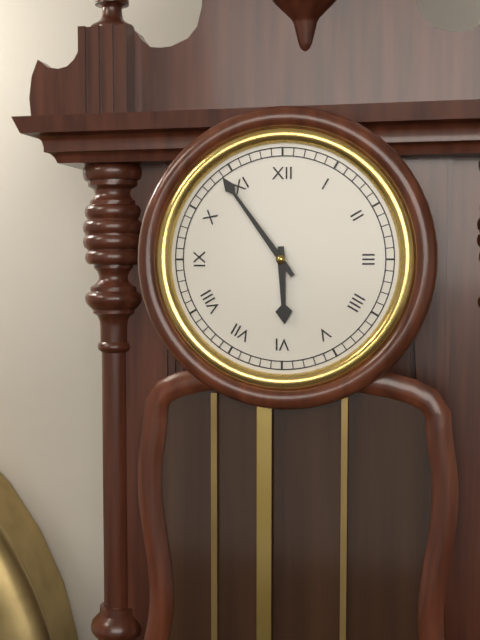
5:54
